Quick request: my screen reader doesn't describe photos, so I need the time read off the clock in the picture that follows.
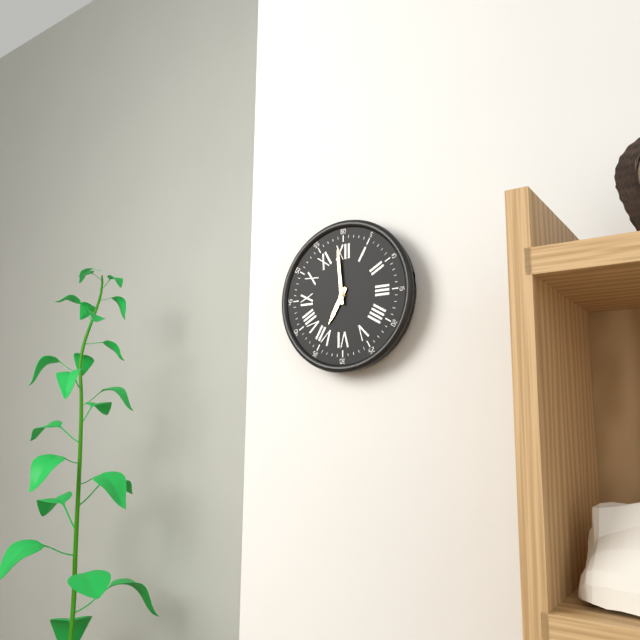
6:59
